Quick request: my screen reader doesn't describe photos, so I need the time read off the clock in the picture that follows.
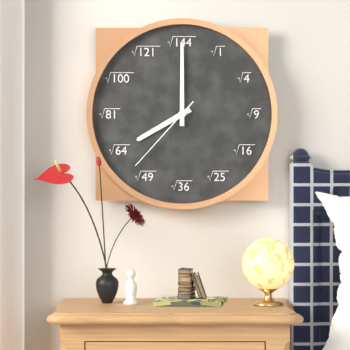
8:00:37
